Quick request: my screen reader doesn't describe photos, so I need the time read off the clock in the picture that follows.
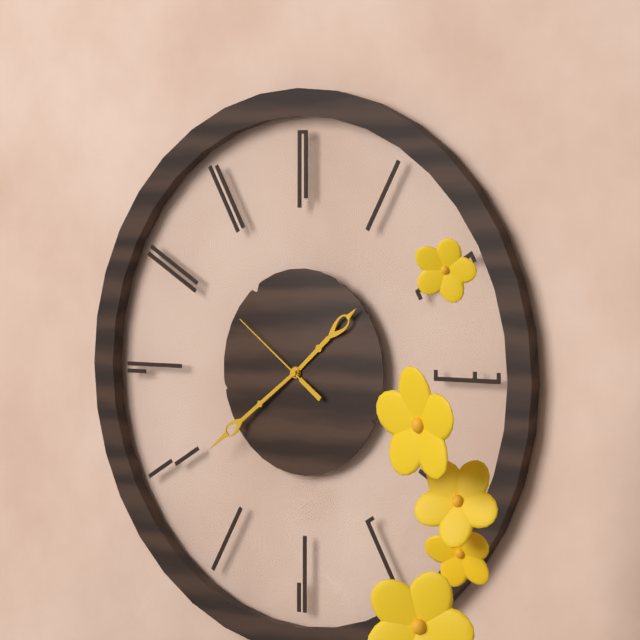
1:39:51
